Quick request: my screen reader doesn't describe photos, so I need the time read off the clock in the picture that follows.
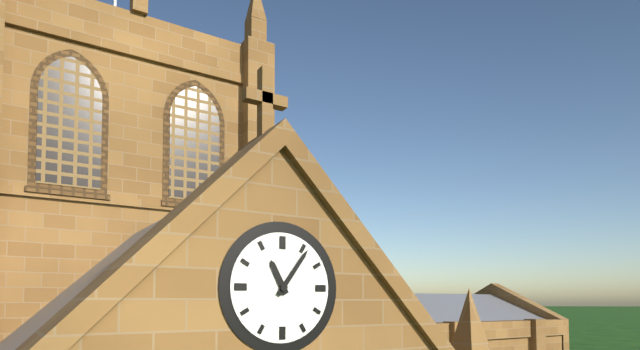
11:06
